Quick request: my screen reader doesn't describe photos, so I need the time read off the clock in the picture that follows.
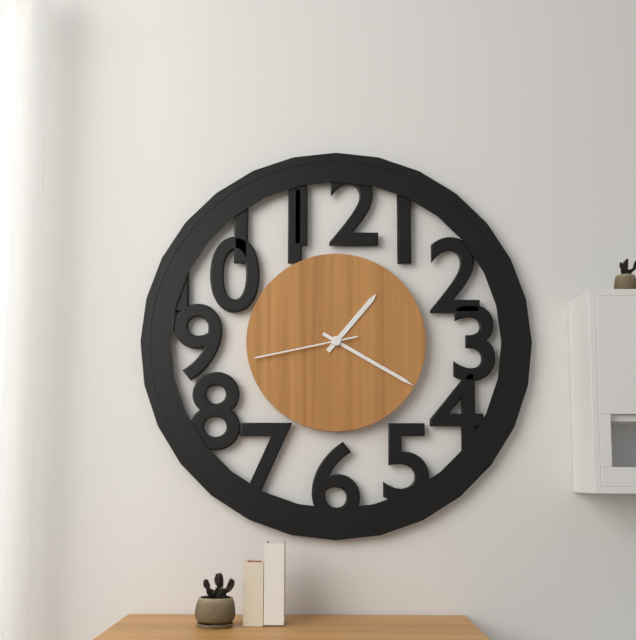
1:20:43
